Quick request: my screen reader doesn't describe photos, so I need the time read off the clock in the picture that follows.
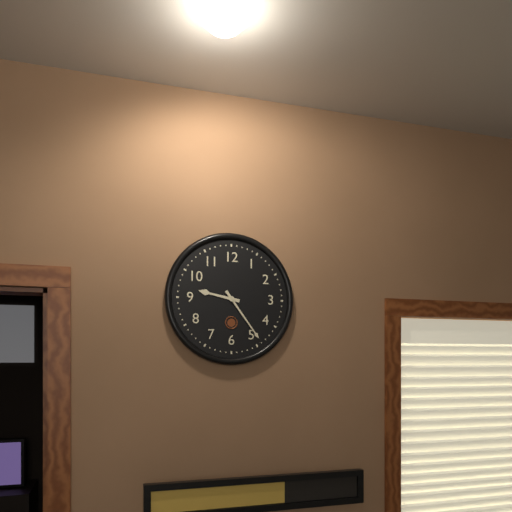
9:24
